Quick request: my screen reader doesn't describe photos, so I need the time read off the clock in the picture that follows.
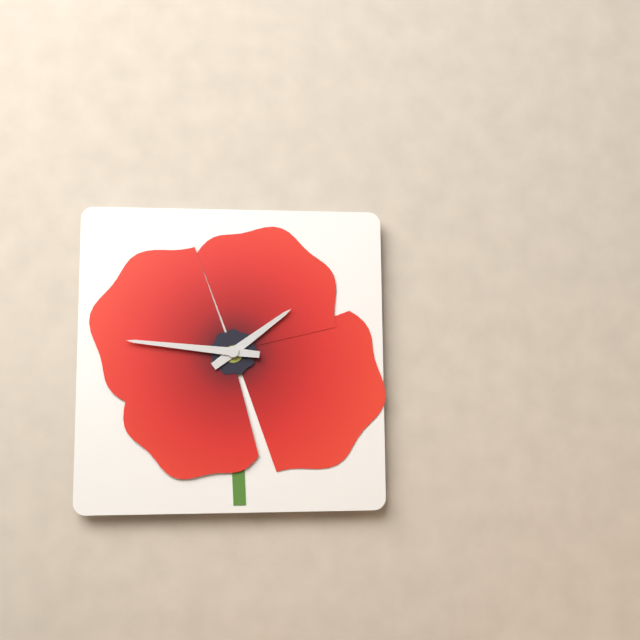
1:46
